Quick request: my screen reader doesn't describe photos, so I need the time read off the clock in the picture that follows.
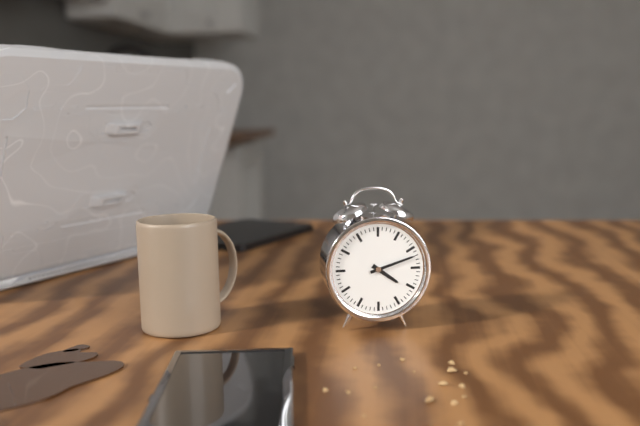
4:12
